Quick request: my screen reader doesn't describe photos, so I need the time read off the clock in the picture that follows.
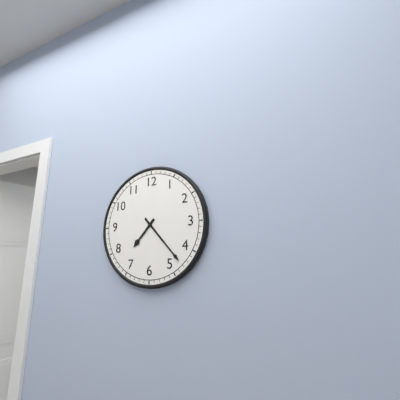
7:23
